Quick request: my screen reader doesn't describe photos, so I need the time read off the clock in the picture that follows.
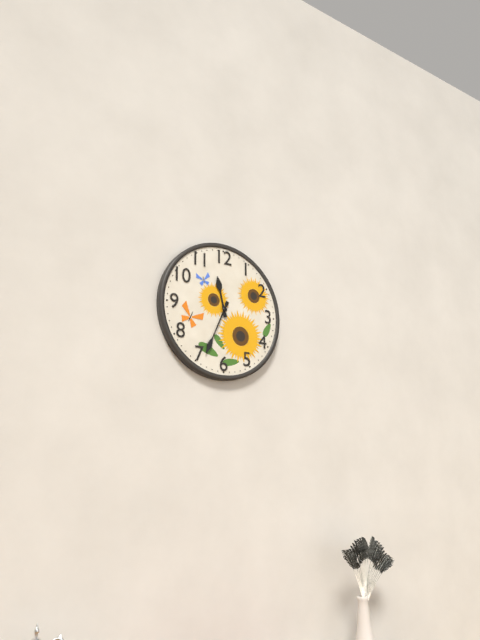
11:34
